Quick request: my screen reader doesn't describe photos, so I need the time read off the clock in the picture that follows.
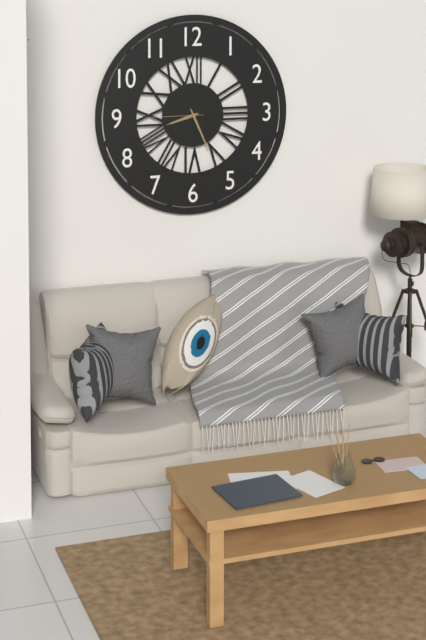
8:26
